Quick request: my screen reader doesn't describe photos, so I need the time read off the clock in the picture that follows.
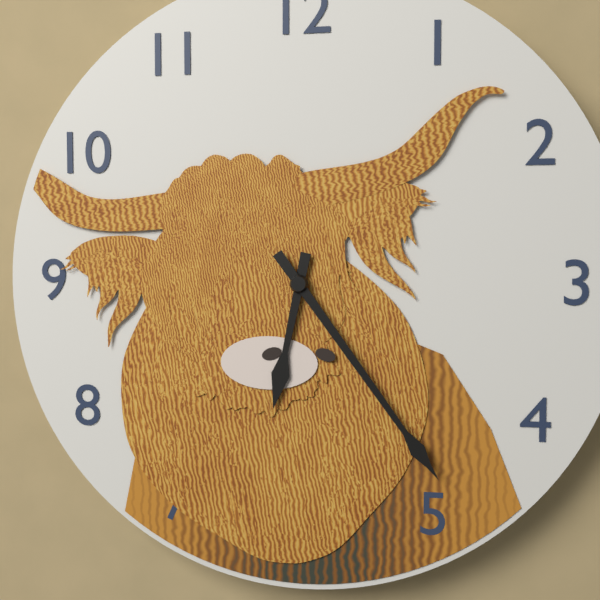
6:24
